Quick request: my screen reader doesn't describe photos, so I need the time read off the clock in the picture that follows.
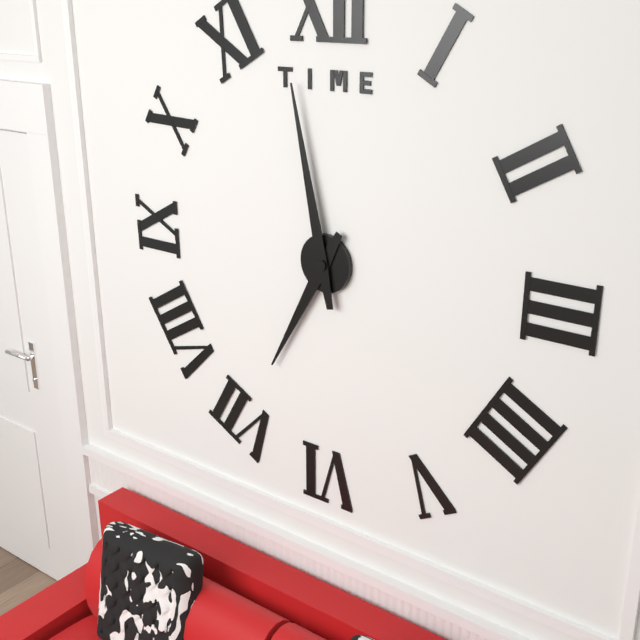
6:58
